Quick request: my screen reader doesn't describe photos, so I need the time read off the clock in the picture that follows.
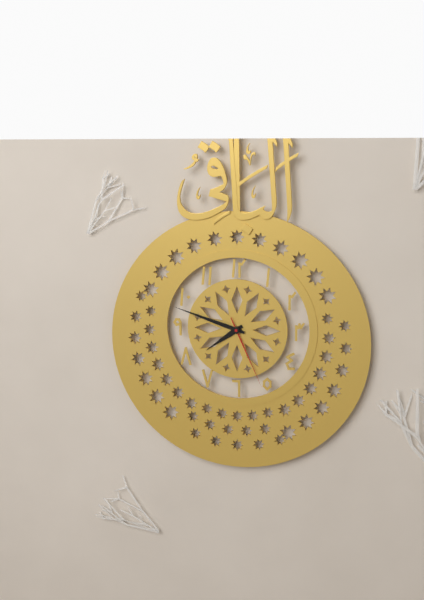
7:48:26
